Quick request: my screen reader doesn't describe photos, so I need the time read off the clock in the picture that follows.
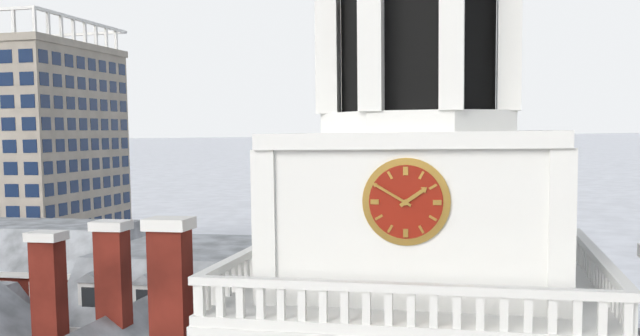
1:50
